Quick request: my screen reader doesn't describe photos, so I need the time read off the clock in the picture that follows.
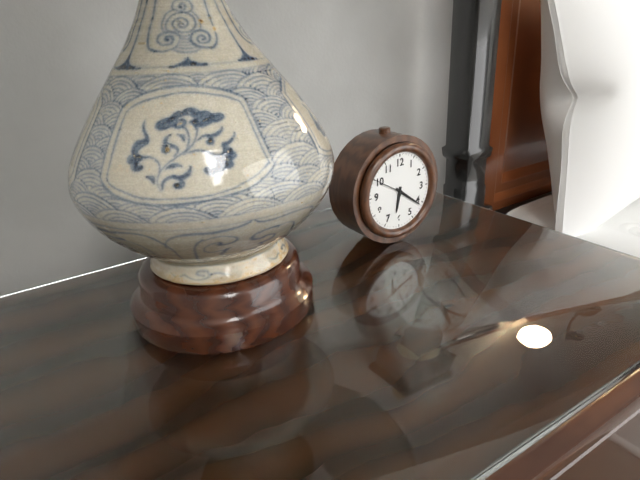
6:21
